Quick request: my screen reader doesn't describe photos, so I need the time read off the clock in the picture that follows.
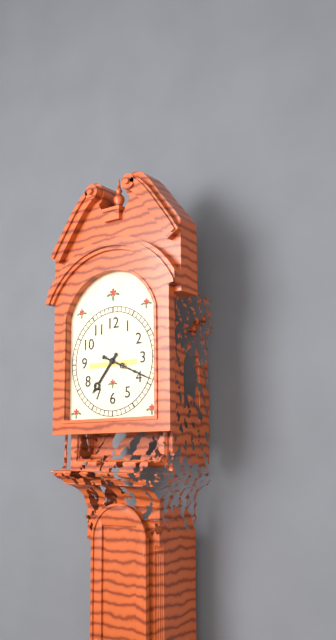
7:19
